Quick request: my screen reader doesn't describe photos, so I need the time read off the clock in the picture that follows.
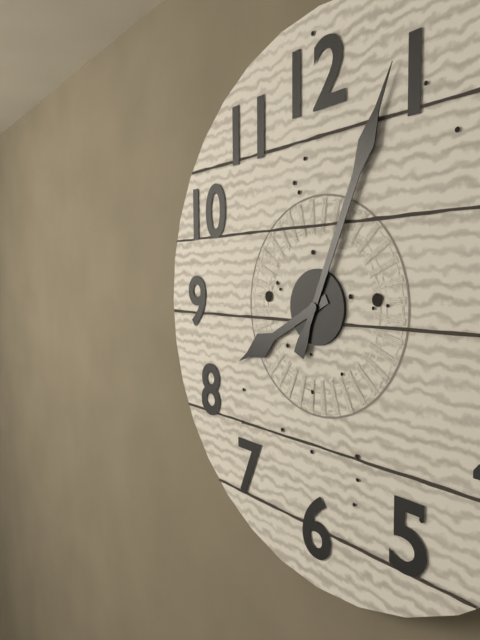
8:04
